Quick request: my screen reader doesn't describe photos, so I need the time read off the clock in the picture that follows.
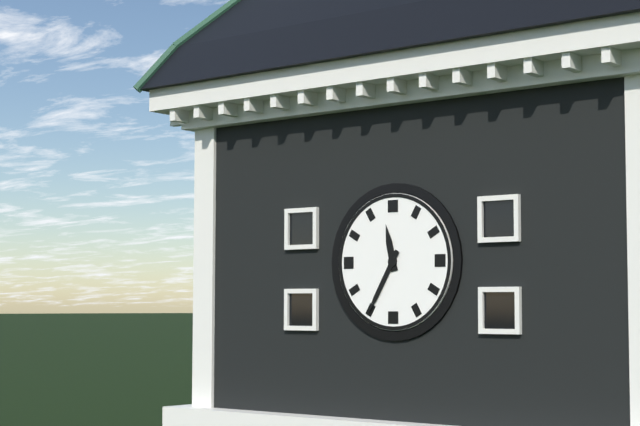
11:35
